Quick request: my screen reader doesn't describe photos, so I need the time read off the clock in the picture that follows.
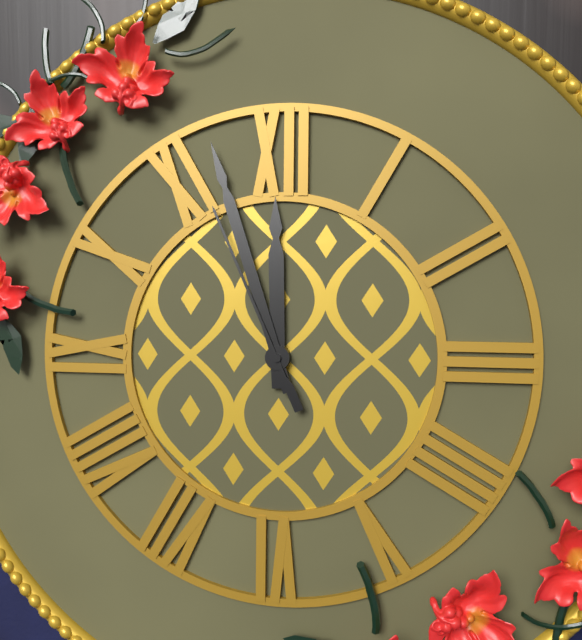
11:57:56
